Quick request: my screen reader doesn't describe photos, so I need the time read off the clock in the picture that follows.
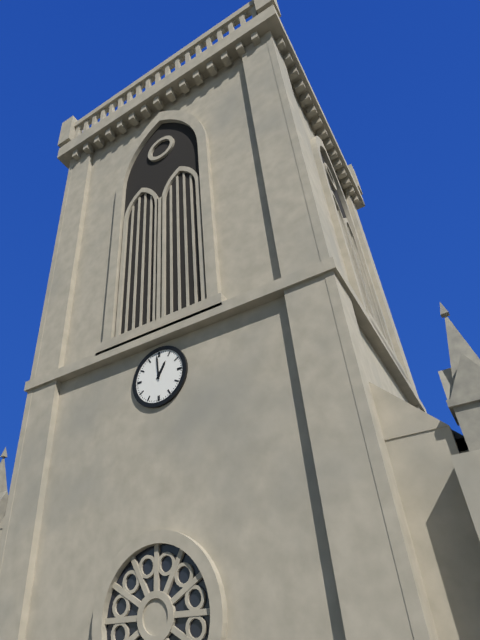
12:59
